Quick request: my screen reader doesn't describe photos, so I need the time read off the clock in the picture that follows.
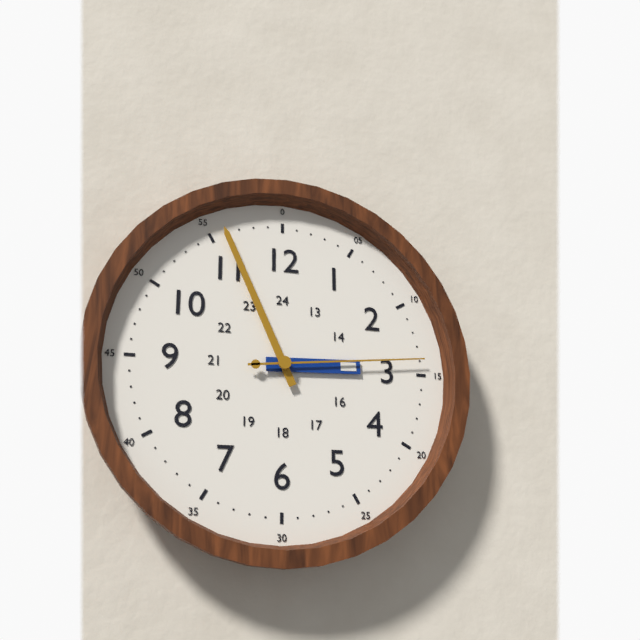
2:56:14
